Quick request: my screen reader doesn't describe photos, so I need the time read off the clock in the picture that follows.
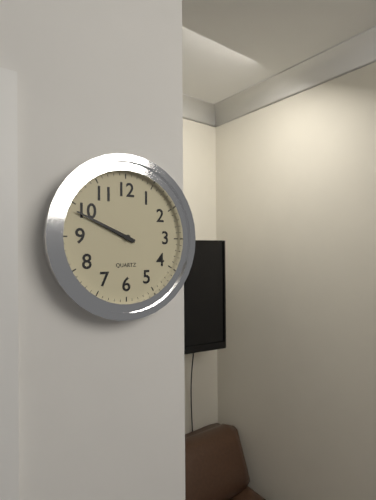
9:49
